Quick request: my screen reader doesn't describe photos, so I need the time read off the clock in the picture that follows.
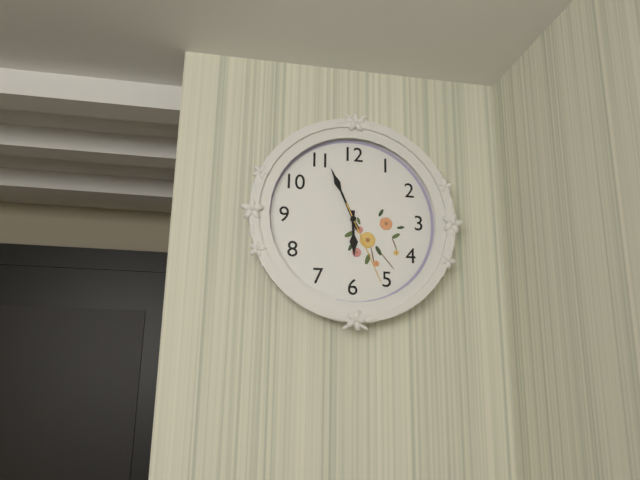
5:56:26
